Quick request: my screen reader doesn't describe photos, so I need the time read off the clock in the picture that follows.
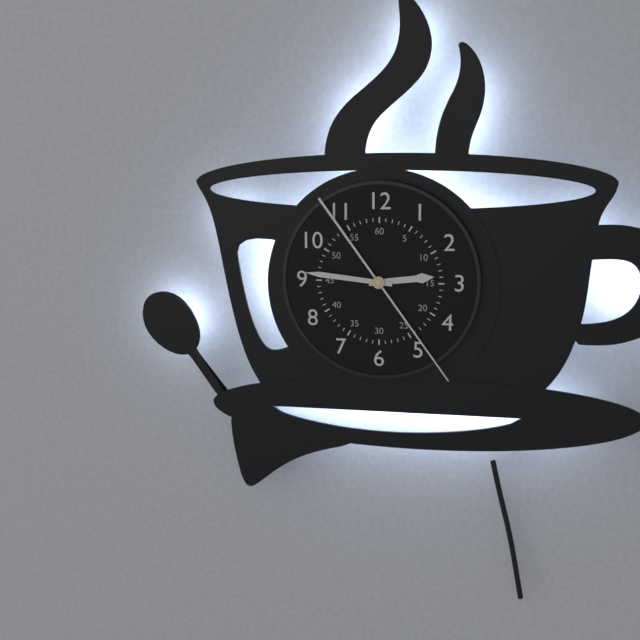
2:46:24
